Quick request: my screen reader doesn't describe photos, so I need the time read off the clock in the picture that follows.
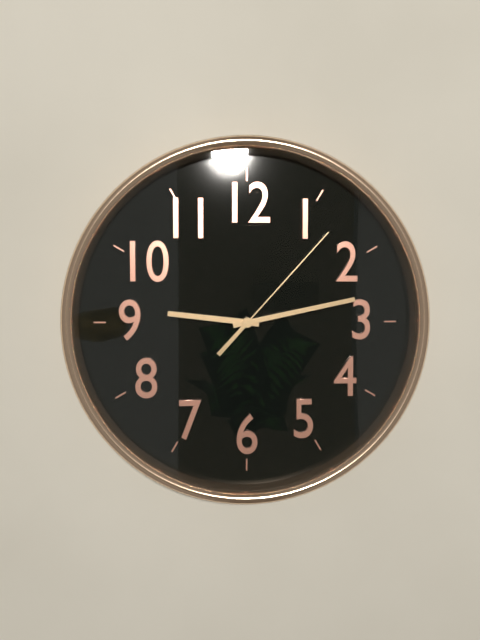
9:13:07
